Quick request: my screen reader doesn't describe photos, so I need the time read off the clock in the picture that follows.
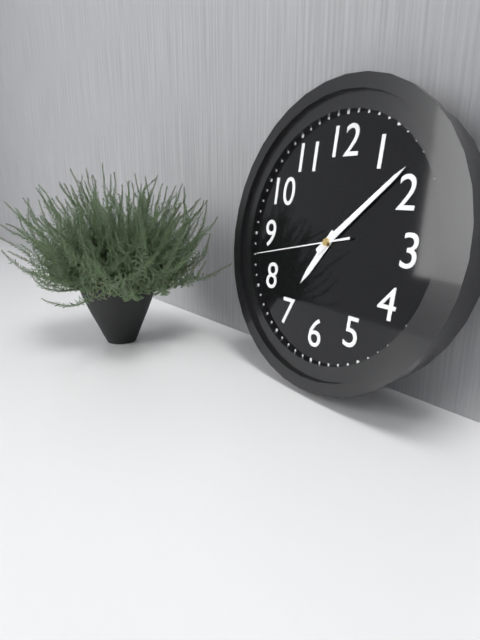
7:08:43
